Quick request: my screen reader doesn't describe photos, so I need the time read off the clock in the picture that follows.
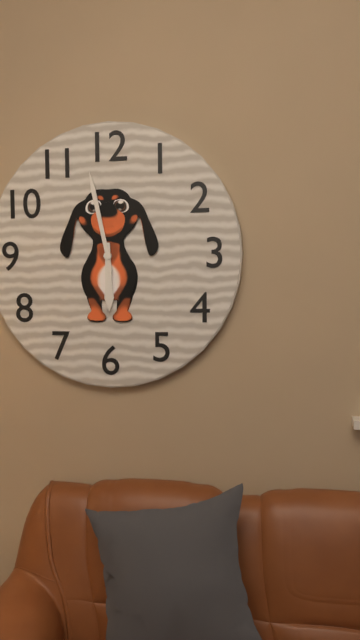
5:58
